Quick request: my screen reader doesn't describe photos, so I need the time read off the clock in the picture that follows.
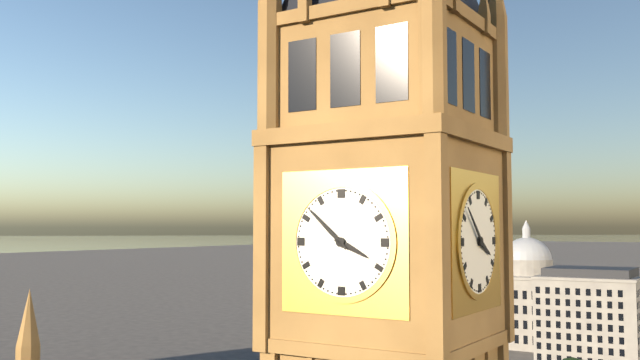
3:52
